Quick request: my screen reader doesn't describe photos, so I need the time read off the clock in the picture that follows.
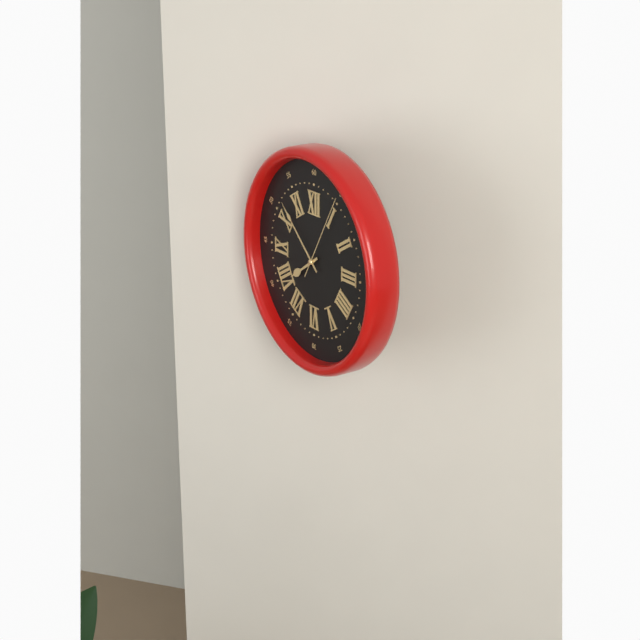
7:52:05
